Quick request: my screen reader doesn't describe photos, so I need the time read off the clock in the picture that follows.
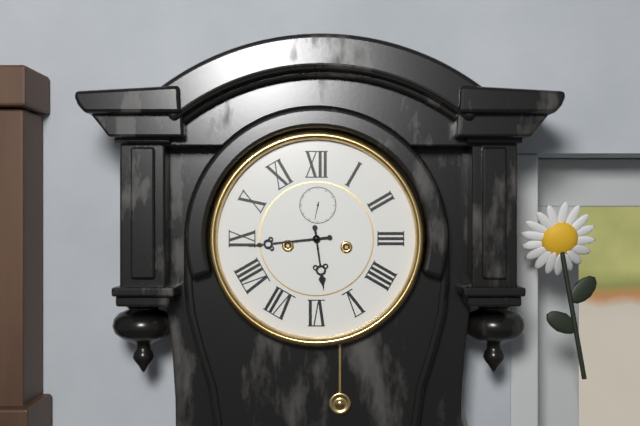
5:44
